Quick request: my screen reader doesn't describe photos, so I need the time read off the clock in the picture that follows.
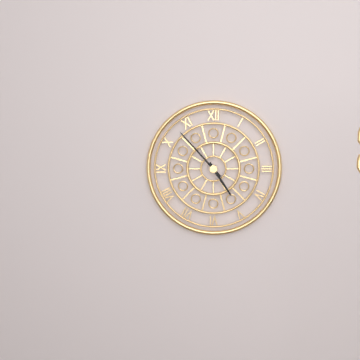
4:53
